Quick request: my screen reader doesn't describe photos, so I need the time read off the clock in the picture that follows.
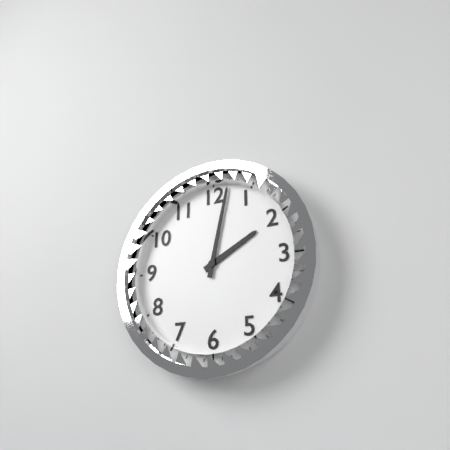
2:02
